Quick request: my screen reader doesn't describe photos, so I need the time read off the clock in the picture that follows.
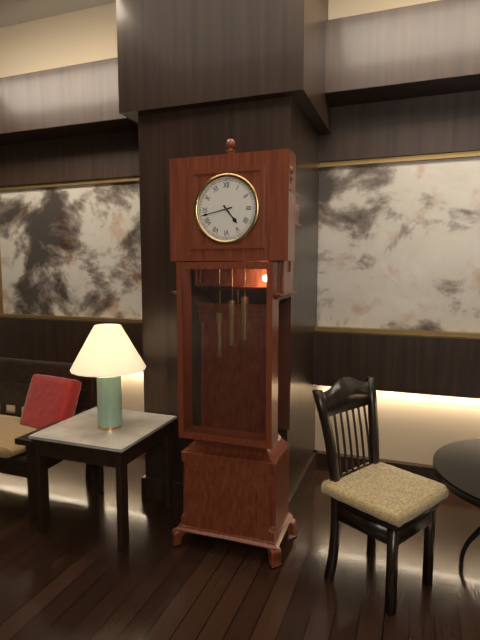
4:43
